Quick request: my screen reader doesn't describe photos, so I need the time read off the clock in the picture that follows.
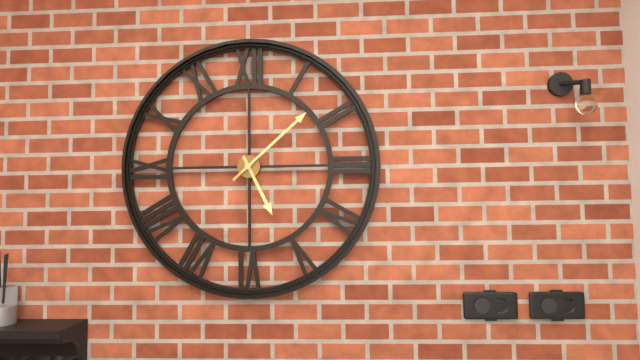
5:08
